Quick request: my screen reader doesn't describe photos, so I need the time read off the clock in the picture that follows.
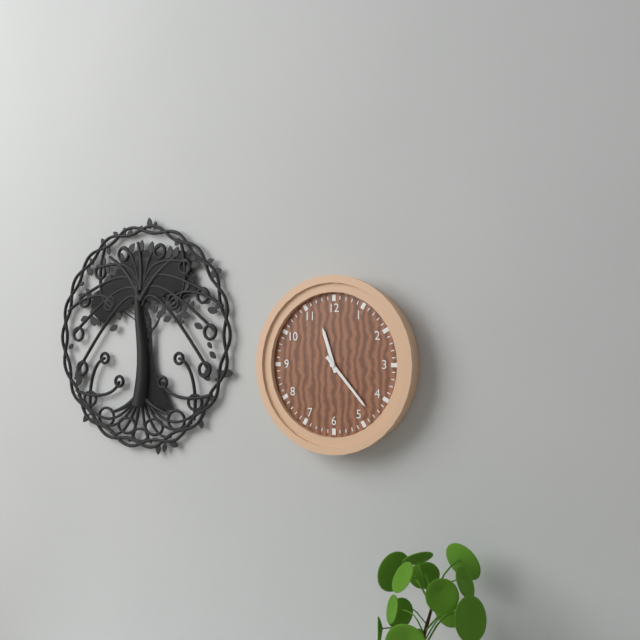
11:23
